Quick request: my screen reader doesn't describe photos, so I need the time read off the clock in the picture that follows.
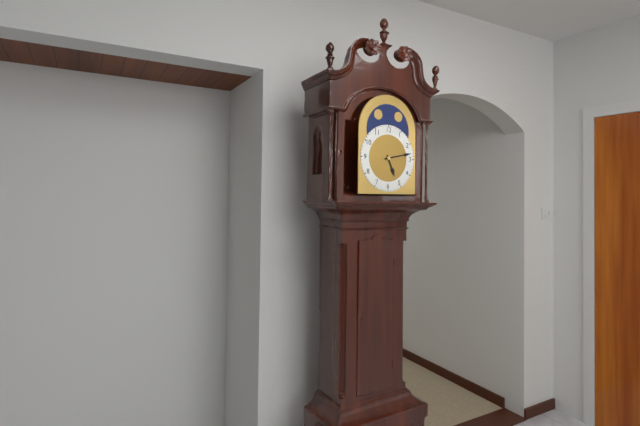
5:13
